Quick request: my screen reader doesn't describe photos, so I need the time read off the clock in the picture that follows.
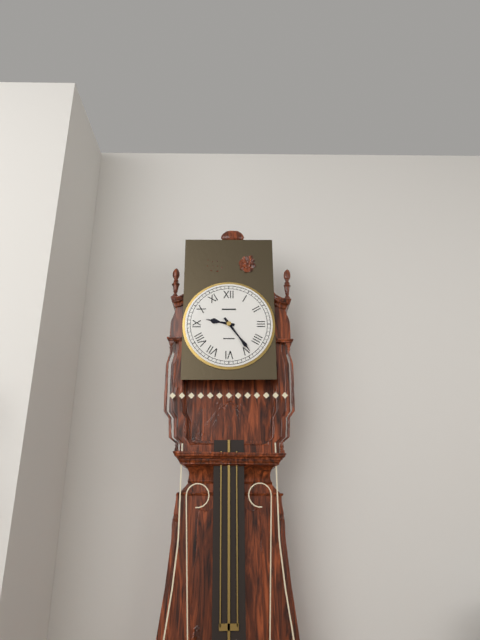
9:24
